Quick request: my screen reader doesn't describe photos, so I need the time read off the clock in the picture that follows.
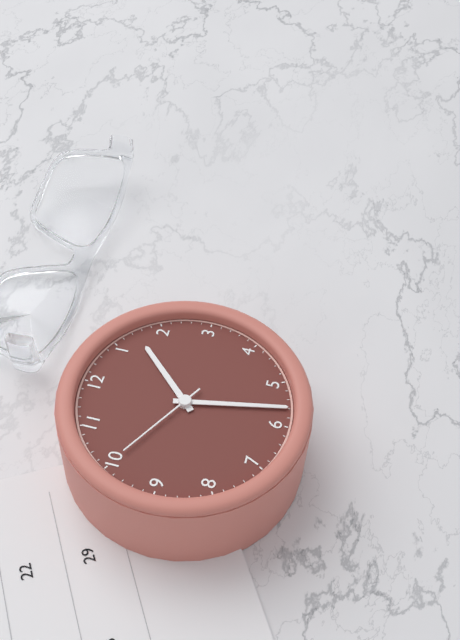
1:28:50
